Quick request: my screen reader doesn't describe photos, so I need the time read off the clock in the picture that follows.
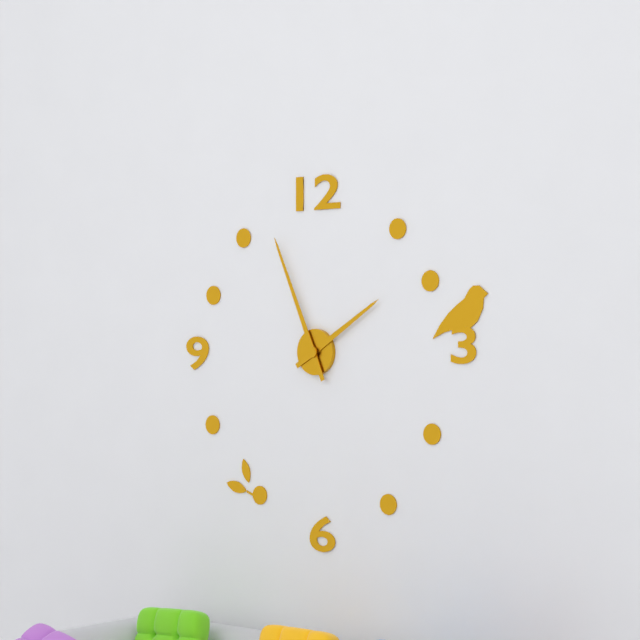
1:56
